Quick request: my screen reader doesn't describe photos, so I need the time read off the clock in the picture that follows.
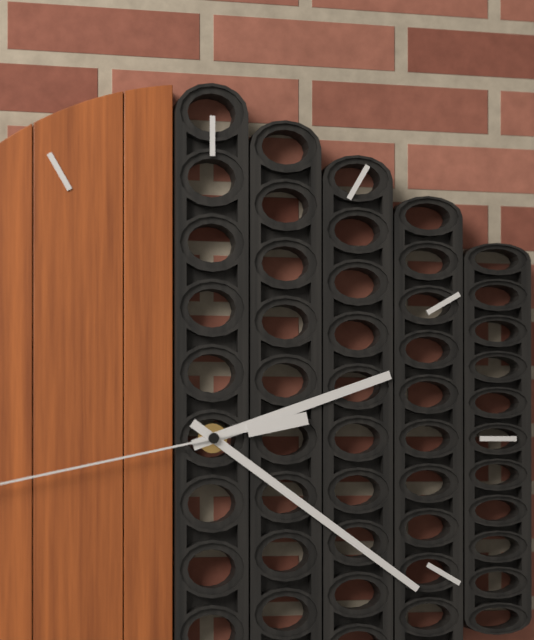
2:21
